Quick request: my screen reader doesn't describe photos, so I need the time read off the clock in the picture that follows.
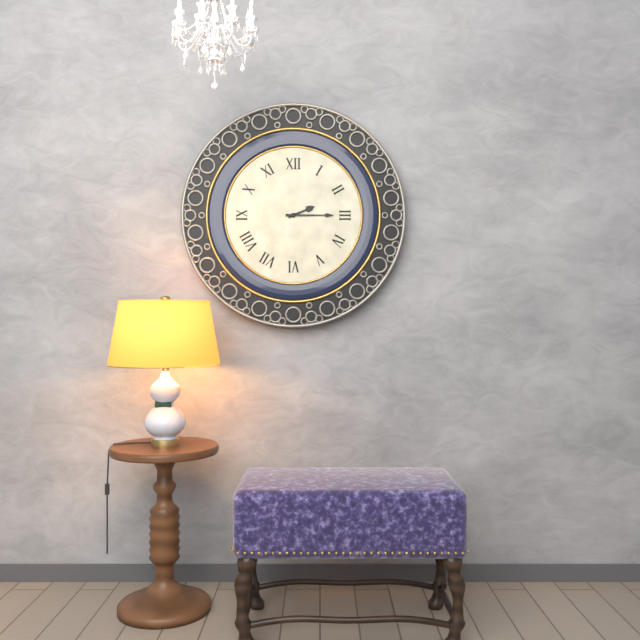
2:15
